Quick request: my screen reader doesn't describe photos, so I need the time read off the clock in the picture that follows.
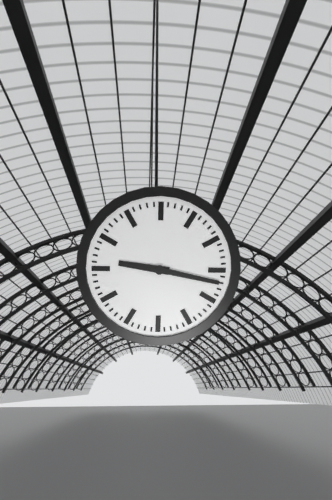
9:17
